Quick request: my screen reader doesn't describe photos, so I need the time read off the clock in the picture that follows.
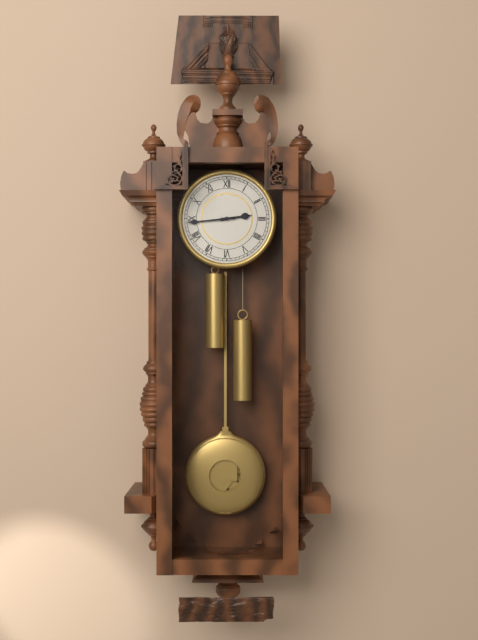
2:44
